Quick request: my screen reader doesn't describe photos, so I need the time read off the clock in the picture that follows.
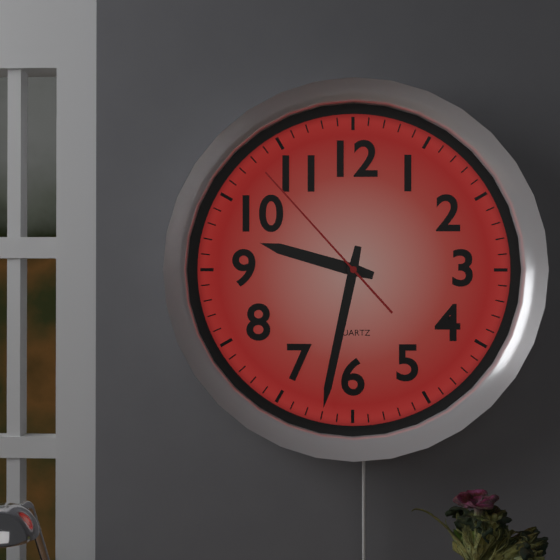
9:32:53
